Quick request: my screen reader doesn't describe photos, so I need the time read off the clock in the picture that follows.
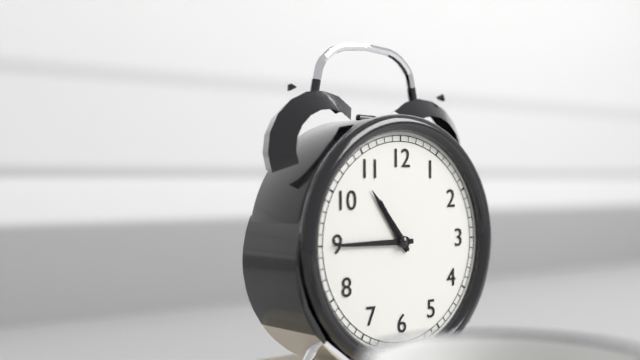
10:45:54
